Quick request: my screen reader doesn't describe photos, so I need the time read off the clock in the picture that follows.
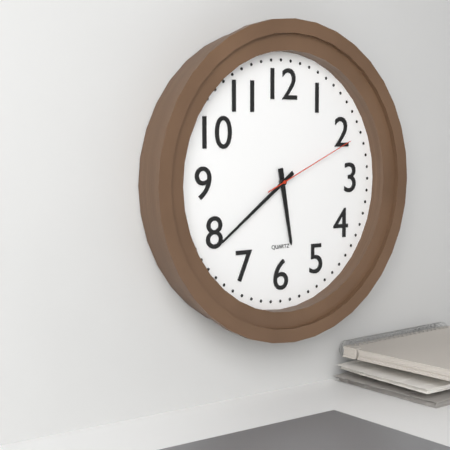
5:39:11
